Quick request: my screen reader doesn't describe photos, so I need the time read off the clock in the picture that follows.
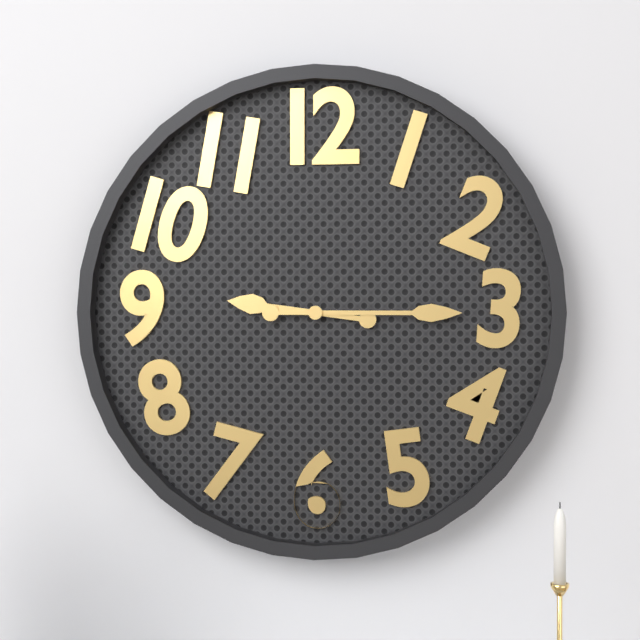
9:15
